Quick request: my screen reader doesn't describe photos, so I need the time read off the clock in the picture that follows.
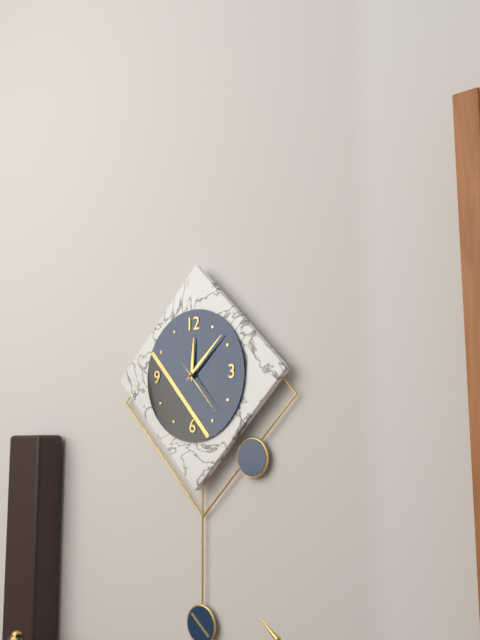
12:08:23
